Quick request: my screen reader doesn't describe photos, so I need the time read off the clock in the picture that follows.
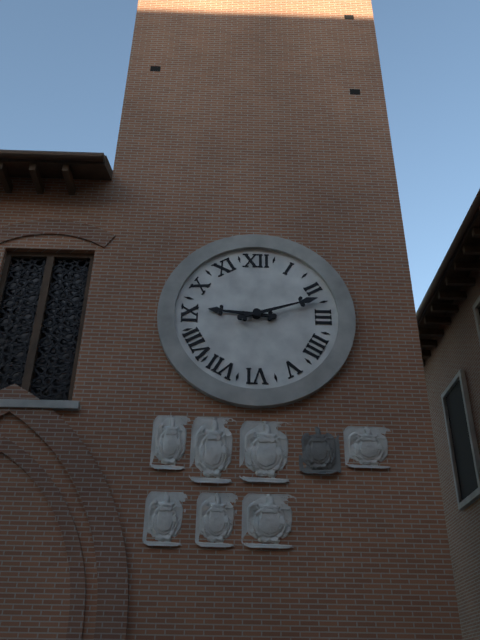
9:12
